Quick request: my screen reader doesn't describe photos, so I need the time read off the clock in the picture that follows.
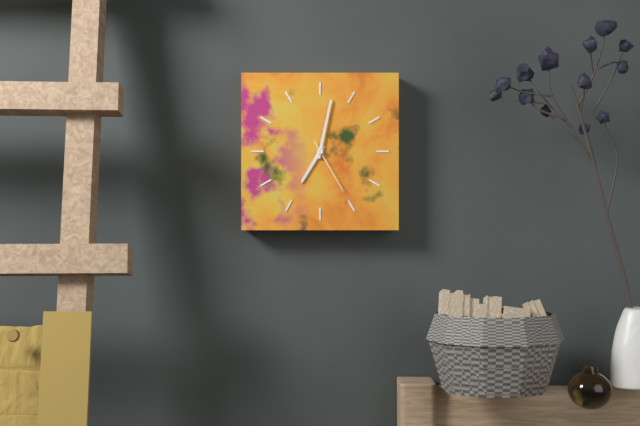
7:02:25
